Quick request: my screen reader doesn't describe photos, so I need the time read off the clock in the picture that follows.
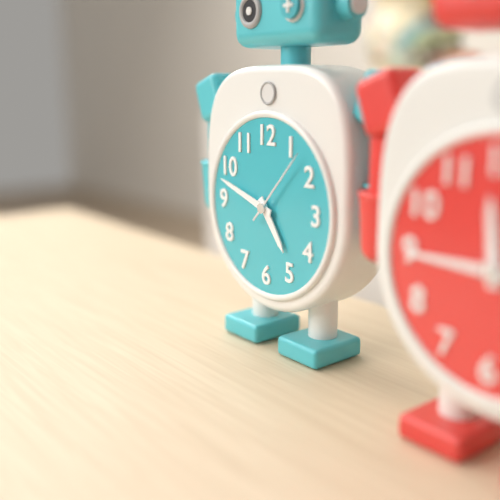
4:48:07
